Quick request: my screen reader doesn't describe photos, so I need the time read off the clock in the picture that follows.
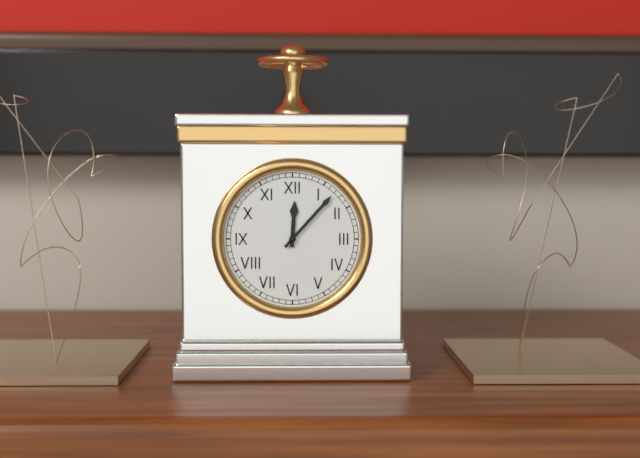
12:07
